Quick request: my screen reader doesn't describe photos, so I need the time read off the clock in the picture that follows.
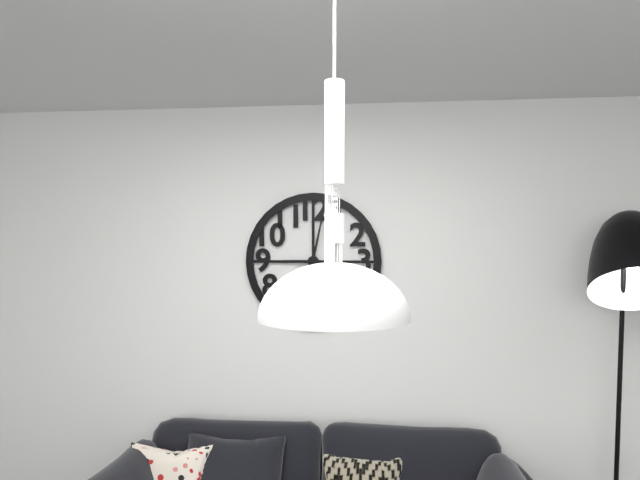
9:02
